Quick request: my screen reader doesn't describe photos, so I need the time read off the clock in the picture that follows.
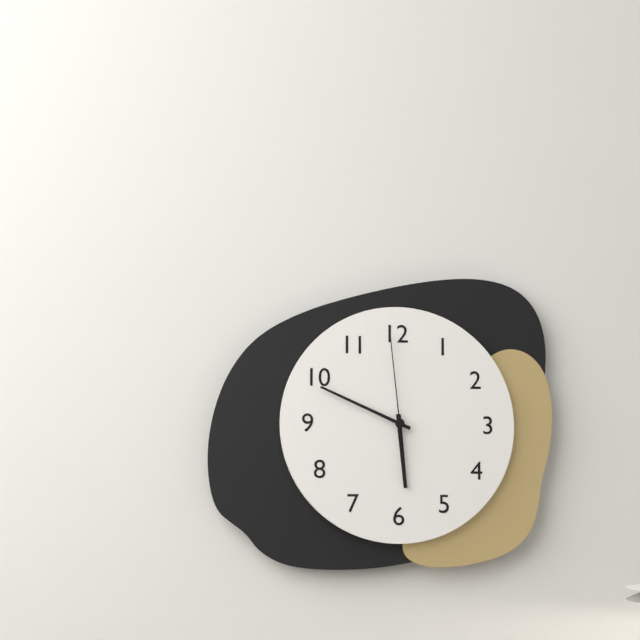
5:49:59
